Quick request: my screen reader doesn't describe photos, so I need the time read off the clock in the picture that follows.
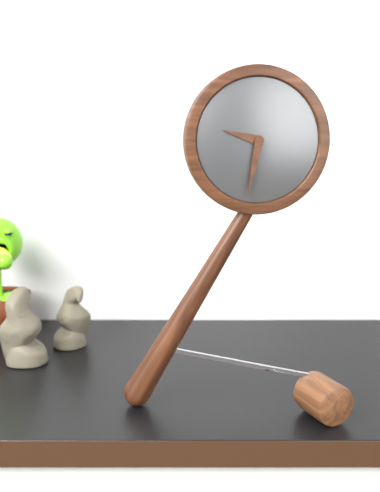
9:32
